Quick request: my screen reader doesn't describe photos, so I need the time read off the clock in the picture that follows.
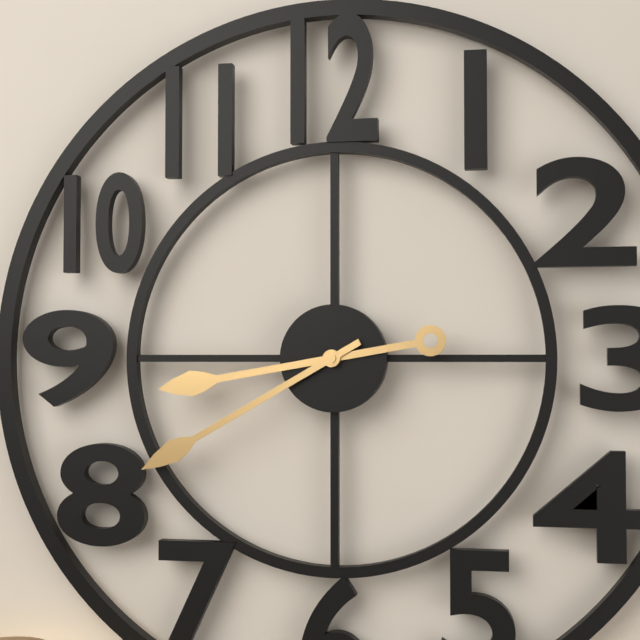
8:40
